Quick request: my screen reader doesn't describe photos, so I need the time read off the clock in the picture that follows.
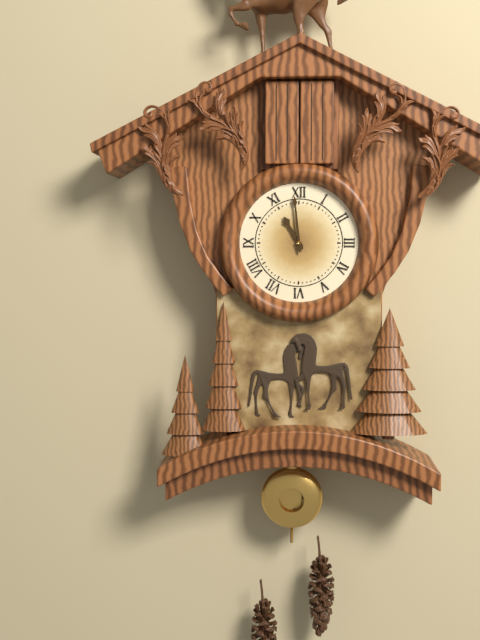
10:59
